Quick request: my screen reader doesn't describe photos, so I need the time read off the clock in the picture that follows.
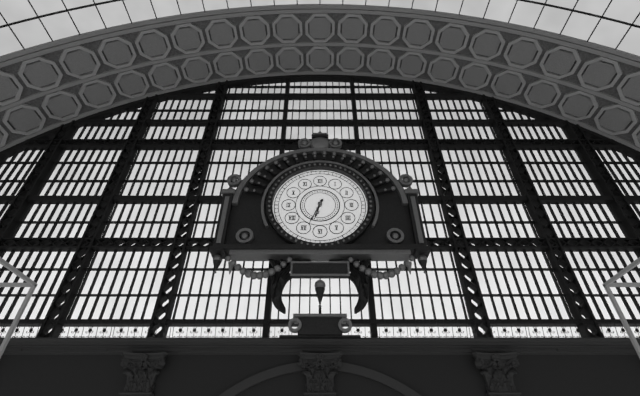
6:34
